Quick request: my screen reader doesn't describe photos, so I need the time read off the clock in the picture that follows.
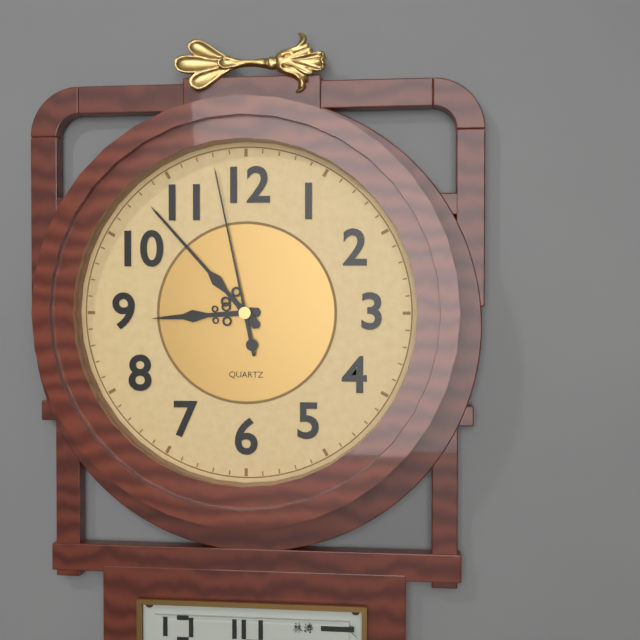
8:53:58
